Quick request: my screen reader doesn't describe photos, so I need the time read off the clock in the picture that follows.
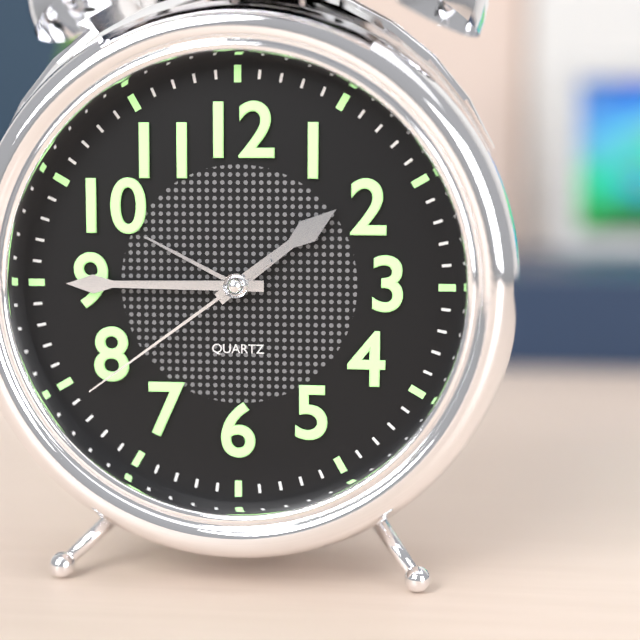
1:45:39
